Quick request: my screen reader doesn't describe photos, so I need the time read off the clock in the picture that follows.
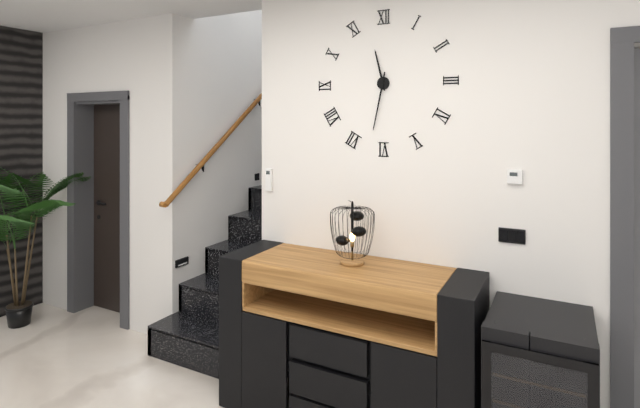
11:32
